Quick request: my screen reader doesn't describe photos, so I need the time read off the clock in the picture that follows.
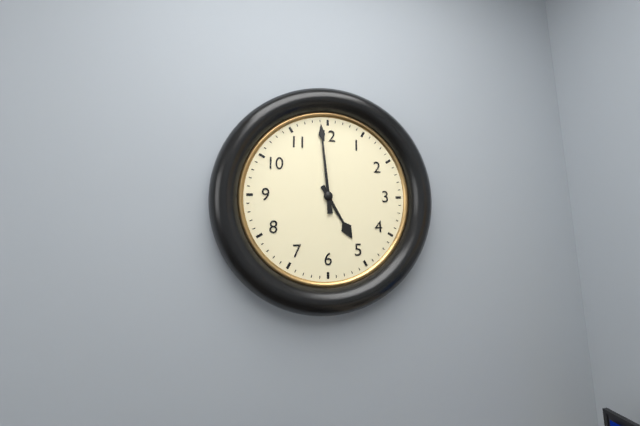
4:59
